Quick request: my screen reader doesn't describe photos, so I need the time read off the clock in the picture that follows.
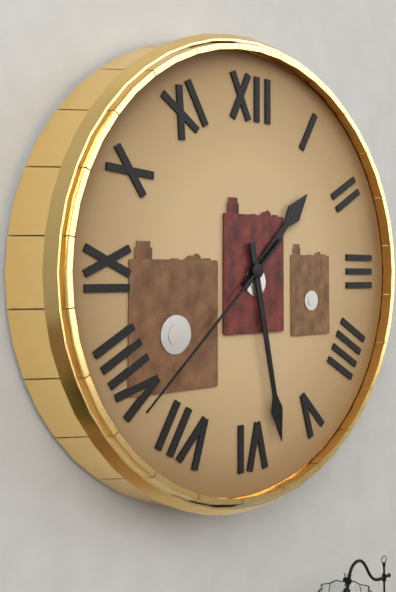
1:28:38
